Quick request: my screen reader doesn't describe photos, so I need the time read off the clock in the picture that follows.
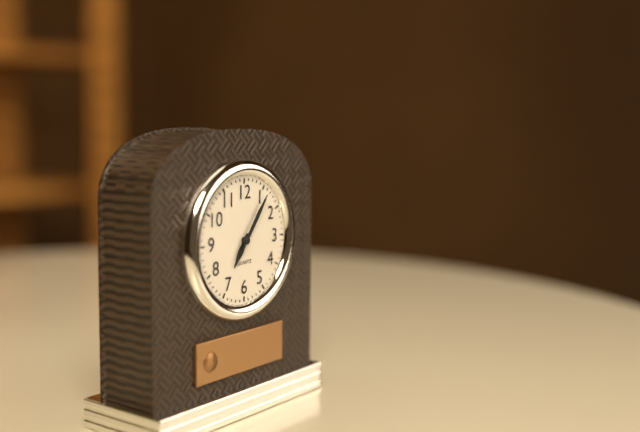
7:06
